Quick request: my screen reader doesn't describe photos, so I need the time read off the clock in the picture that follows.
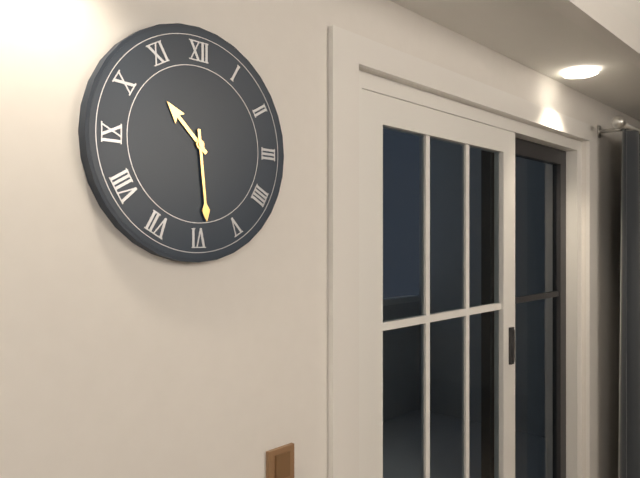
10:29
